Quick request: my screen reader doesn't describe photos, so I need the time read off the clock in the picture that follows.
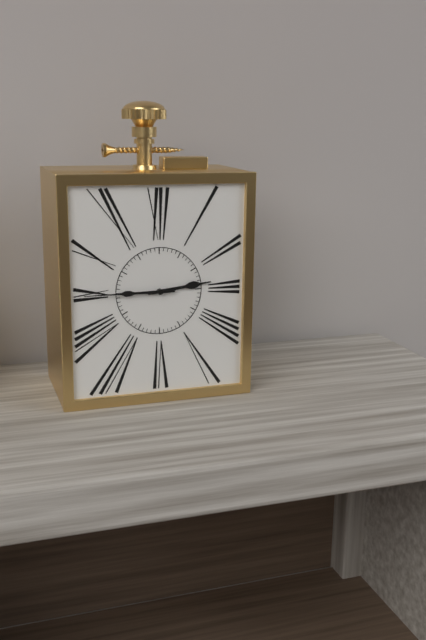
2:45
